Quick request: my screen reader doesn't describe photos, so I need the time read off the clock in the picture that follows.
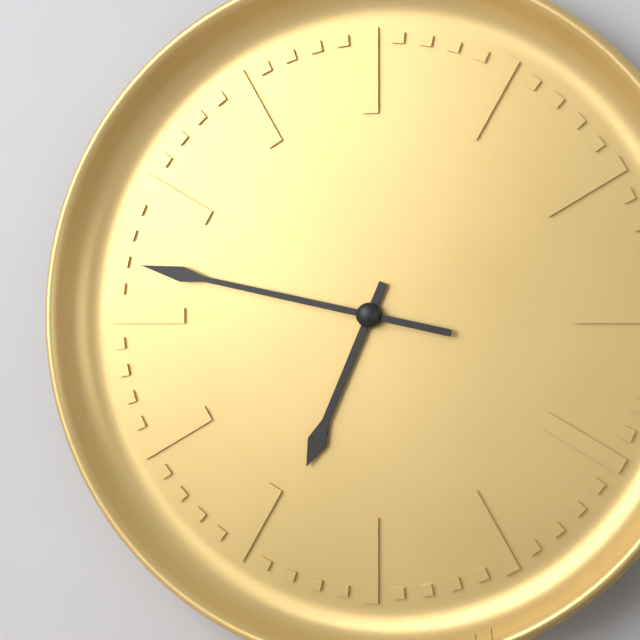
6:47
